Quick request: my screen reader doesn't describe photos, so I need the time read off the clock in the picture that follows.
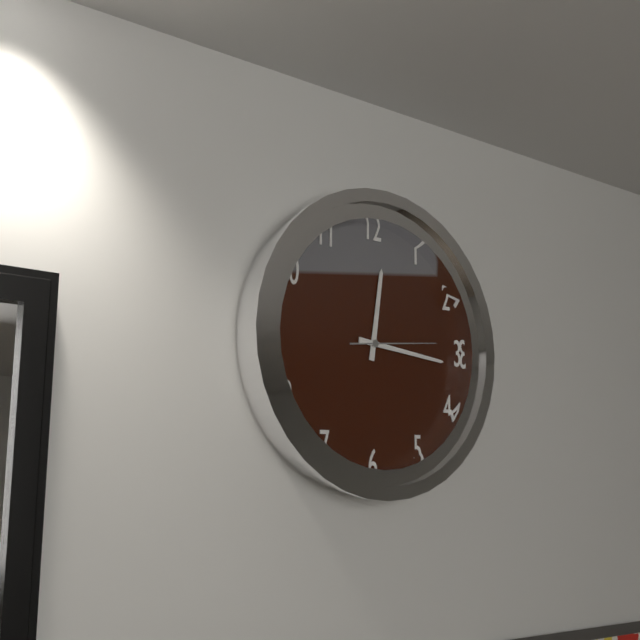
12:16:14
